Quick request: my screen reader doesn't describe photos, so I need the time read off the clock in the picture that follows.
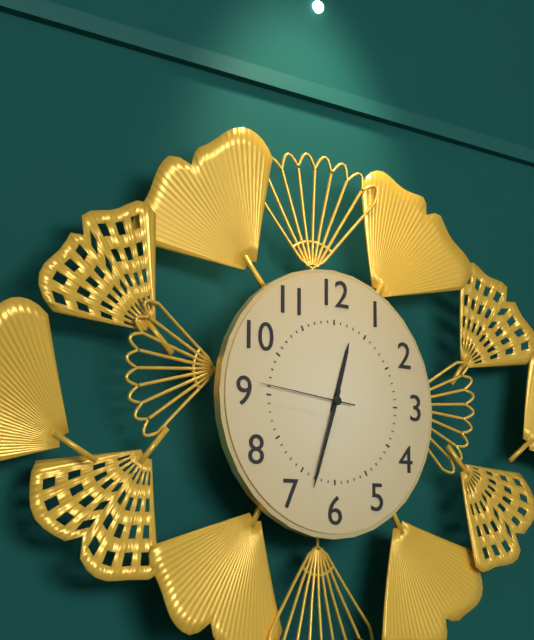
12:33:46
